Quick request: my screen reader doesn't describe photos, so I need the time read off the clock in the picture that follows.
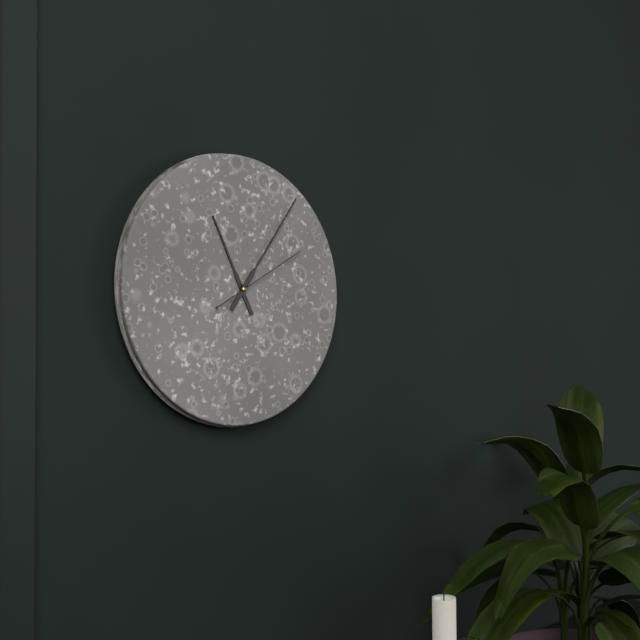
11:06:10
